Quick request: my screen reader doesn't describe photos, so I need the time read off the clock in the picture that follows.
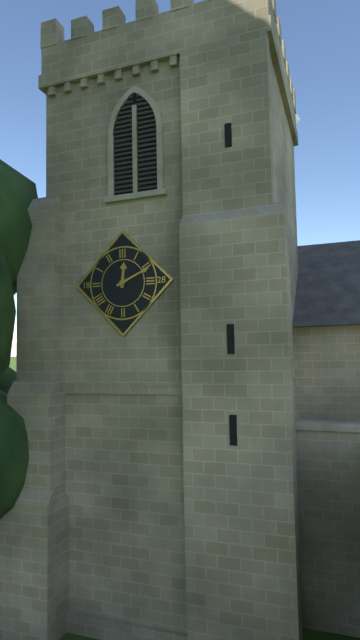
12:11
